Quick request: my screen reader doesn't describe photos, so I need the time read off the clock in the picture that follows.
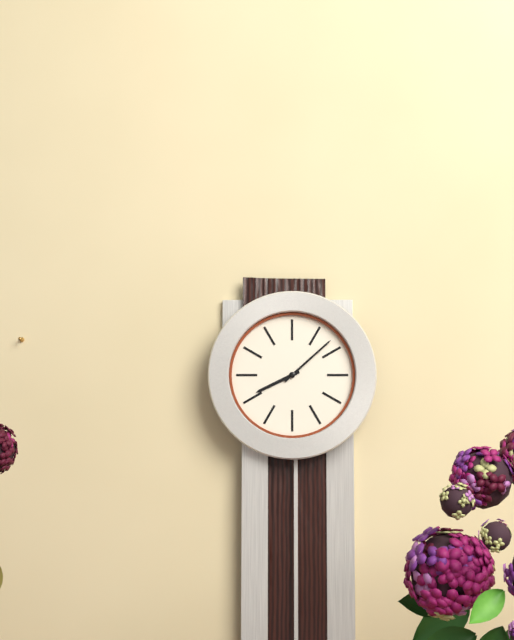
8:08
